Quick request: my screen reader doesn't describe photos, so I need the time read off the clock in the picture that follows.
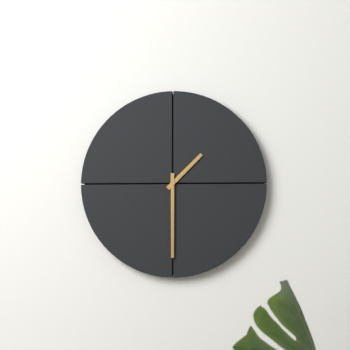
1:30
